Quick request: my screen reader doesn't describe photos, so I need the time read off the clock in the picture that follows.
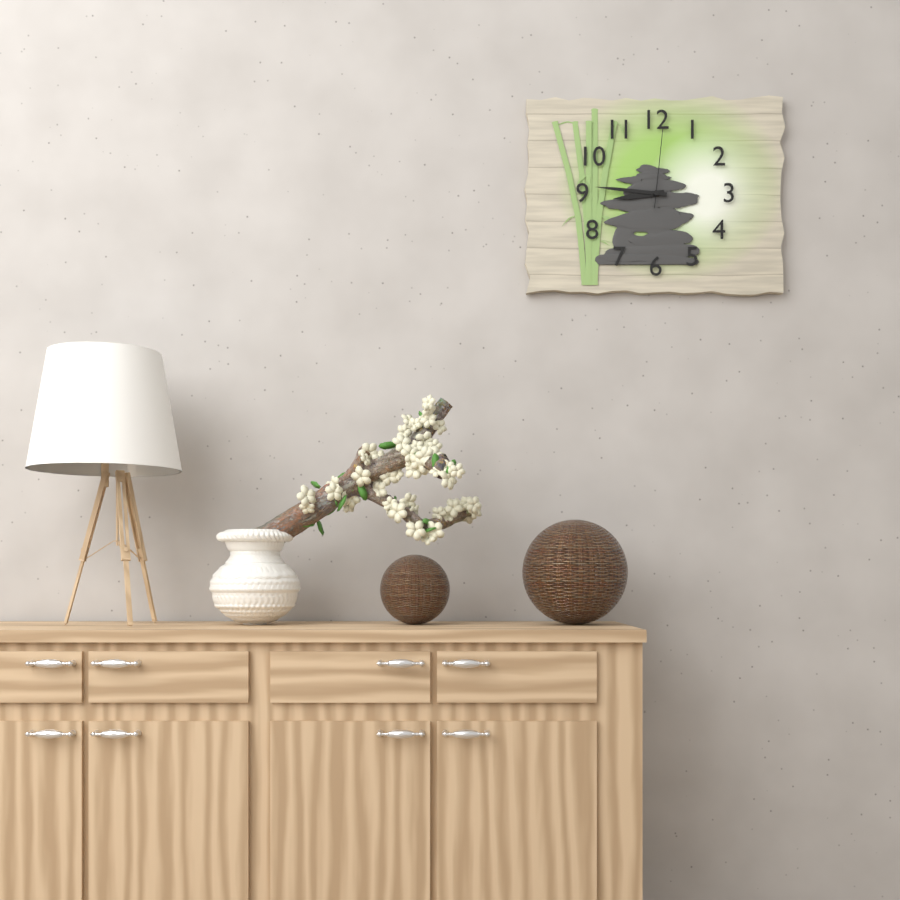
8:46:01
